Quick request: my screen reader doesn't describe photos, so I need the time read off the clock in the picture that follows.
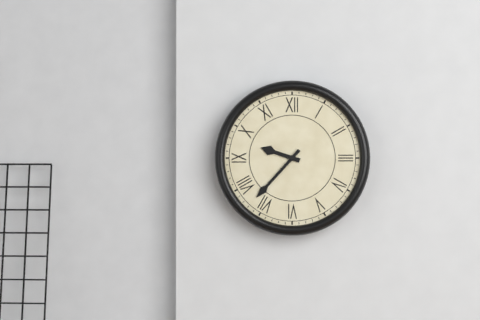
9:37
